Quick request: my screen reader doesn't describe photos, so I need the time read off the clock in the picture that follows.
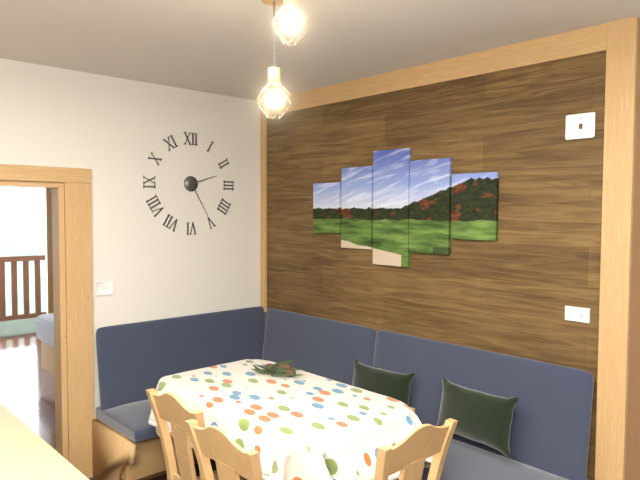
2:25
